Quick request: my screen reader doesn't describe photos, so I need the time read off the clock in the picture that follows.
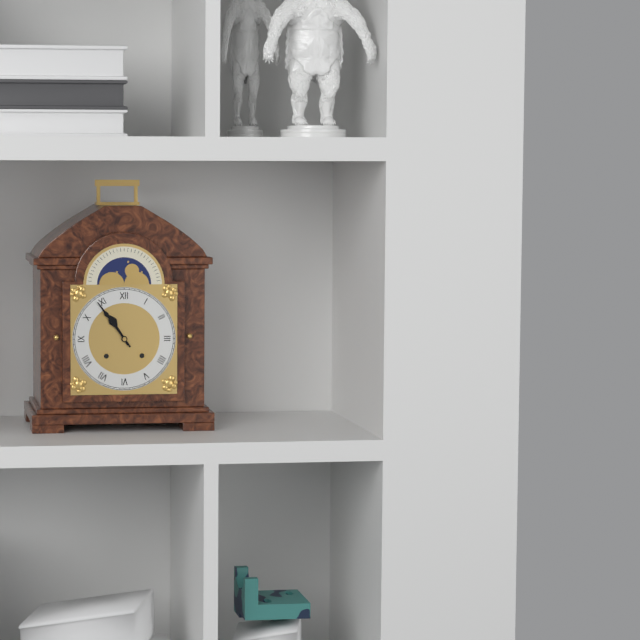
10:54
